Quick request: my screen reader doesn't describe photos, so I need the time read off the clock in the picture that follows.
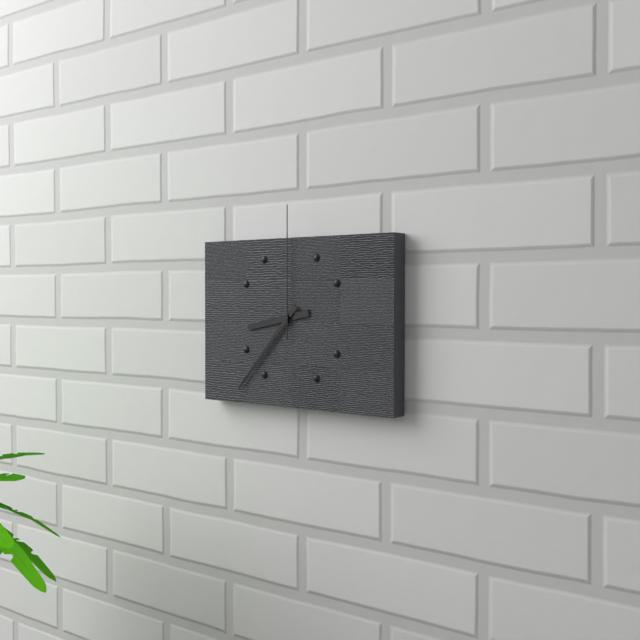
8:37:00
